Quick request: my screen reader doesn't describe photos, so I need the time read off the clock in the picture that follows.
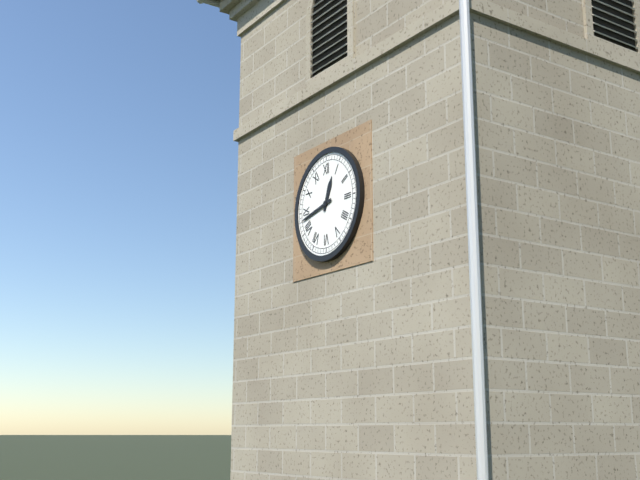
12:43
